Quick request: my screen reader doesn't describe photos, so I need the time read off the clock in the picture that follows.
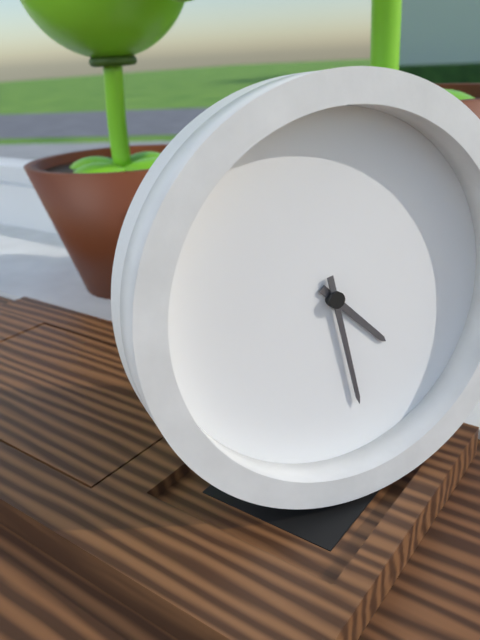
4:28
